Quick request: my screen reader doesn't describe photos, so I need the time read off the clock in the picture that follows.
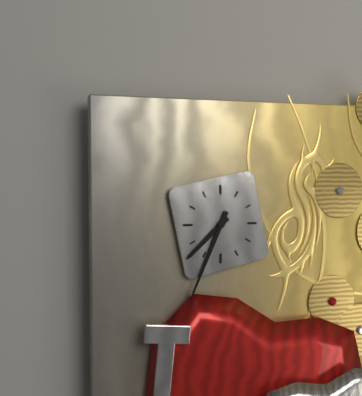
7:34
